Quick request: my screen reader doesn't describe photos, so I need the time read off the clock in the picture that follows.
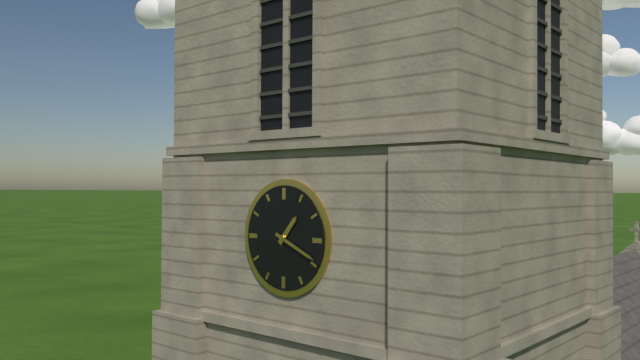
1:19
